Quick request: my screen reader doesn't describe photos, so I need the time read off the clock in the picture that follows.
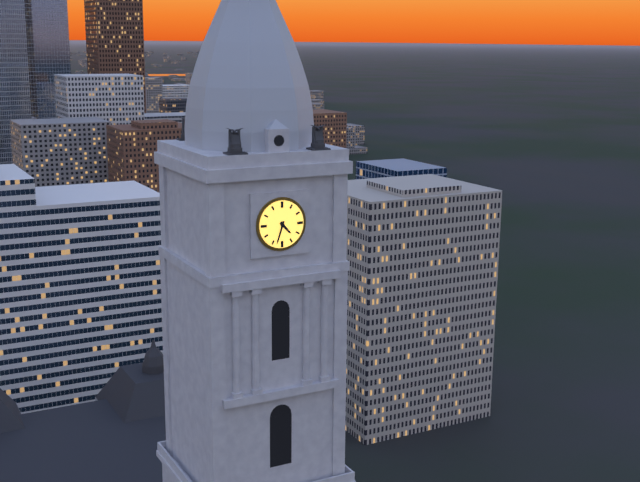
4:33
